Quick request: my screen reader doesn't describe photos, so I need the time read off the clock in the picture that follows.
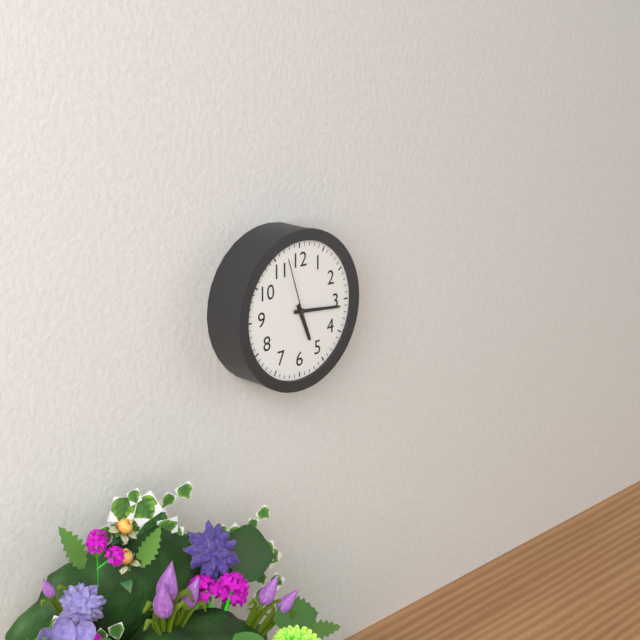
5:16:57
